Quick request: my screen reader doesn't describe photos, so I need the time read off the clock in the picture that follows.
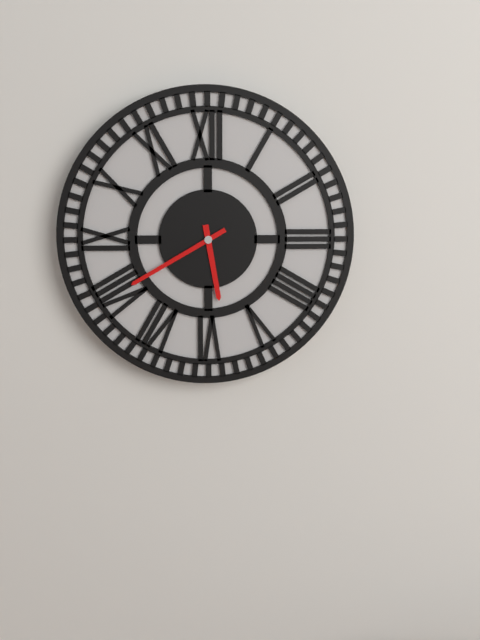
5:40
